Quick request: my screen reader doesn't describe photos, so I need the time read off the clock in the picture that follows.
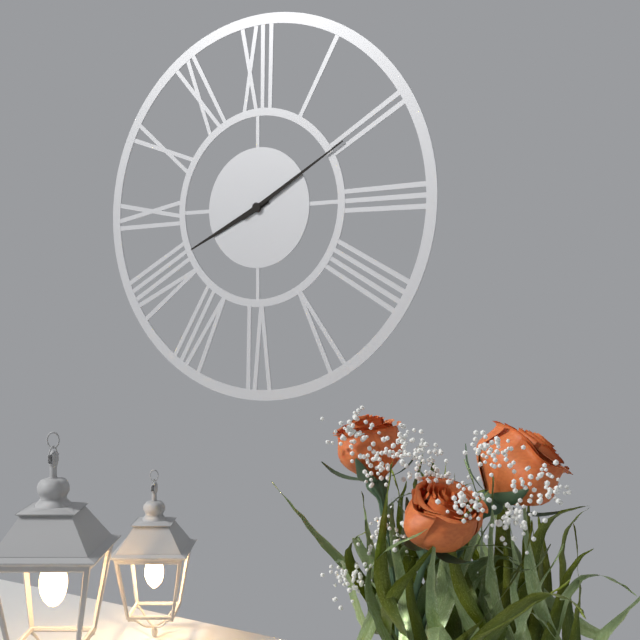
8:10
